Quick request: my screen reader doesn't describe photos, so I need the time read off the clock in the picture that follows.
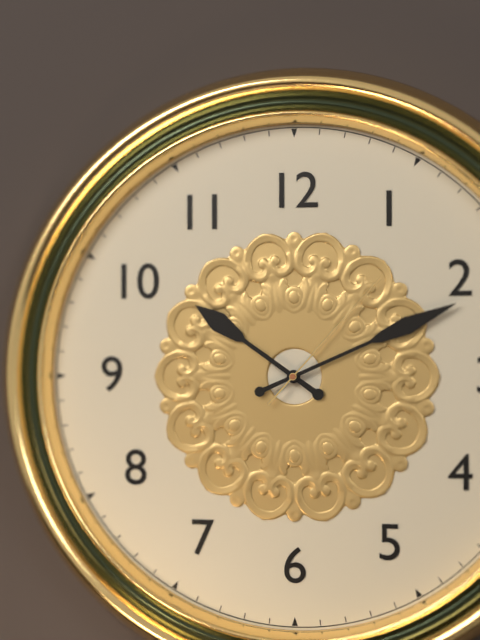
10:11:07
